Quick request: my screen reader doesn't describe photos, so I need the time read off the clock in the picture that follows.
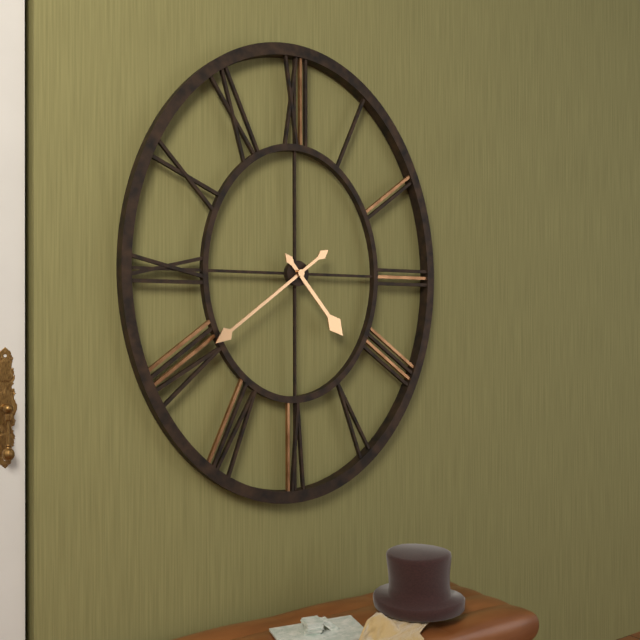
4:39
